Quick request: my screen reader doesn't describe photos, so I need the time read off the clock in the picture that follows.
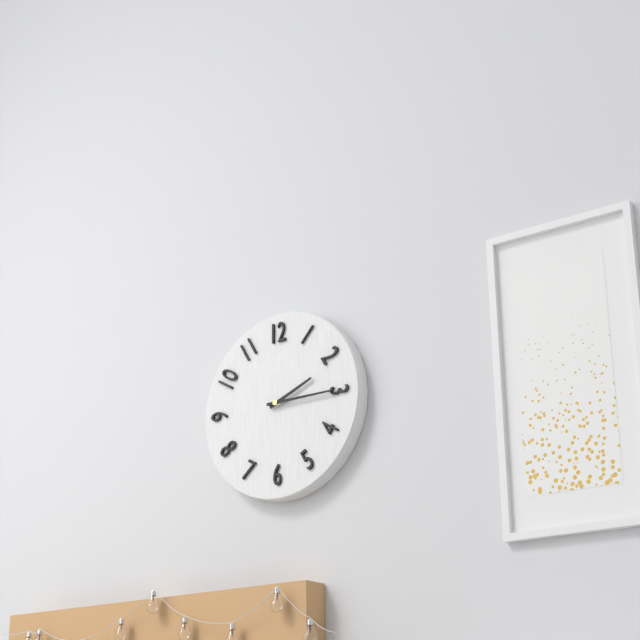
2:15
